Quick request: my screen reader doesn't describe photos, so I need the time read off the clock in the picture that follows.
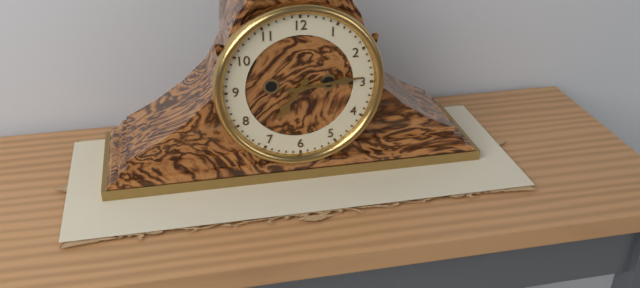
7:14
